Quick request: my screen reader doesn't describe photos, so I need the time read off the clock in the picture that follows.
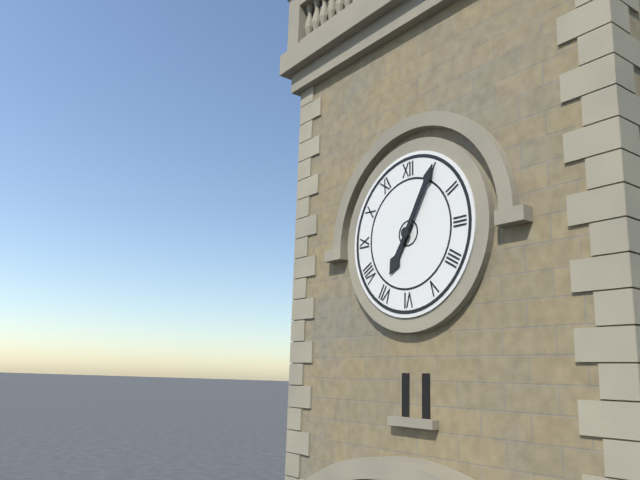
7:05
